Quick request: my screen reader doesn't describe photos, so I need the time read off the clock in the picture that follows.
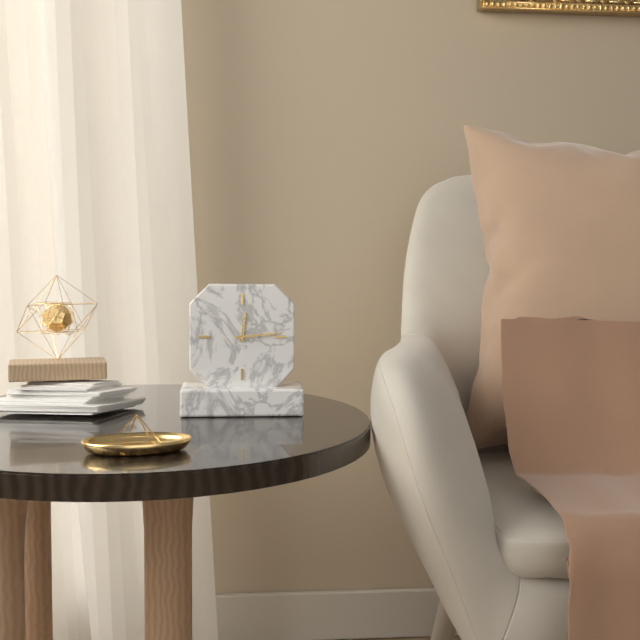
12:14
